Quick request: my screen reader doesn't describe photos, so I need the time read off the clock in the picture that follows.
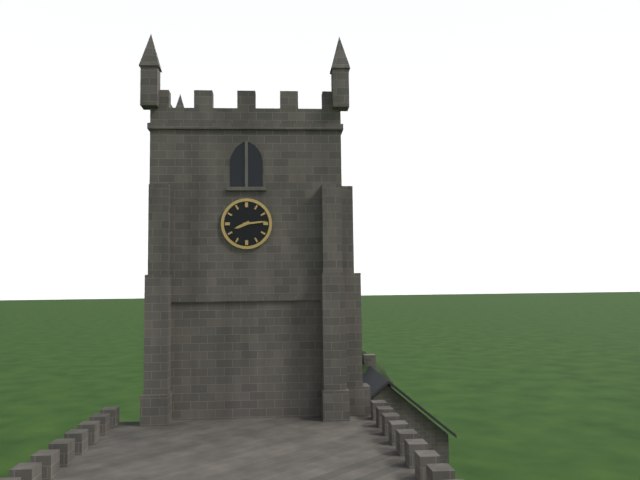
8:14
